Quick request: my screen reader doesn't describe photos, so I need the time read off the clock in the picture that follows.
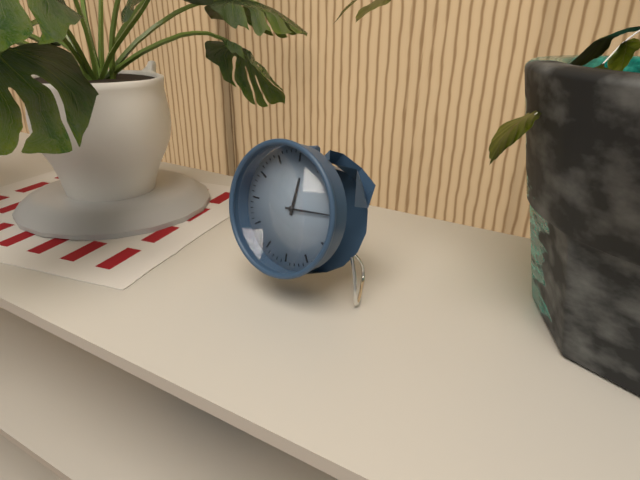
12:14
